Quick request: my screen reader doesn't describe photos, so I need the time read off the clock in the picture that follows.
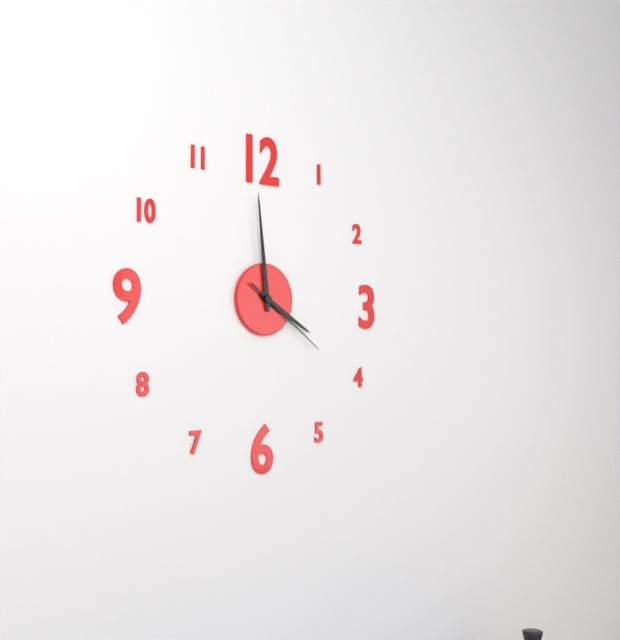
3:59:21
